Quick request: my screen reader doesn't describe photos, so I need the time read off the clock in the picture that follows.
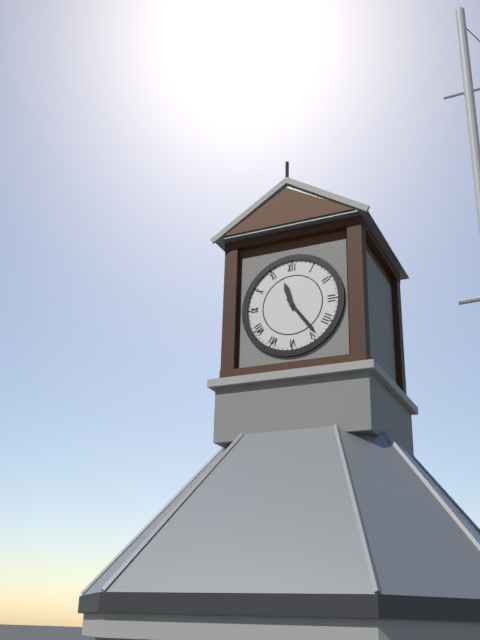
11:24
